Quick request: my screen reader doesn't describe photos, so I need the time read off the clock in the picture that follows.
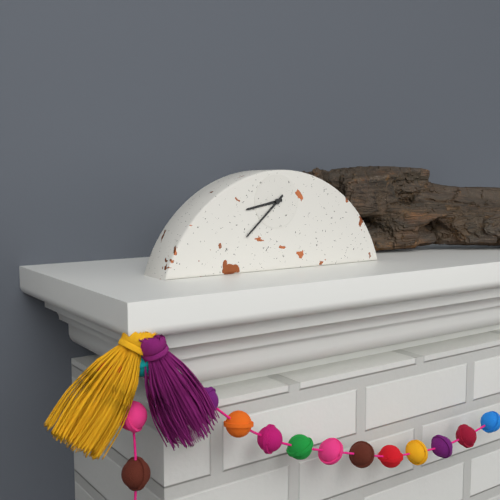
8:38
